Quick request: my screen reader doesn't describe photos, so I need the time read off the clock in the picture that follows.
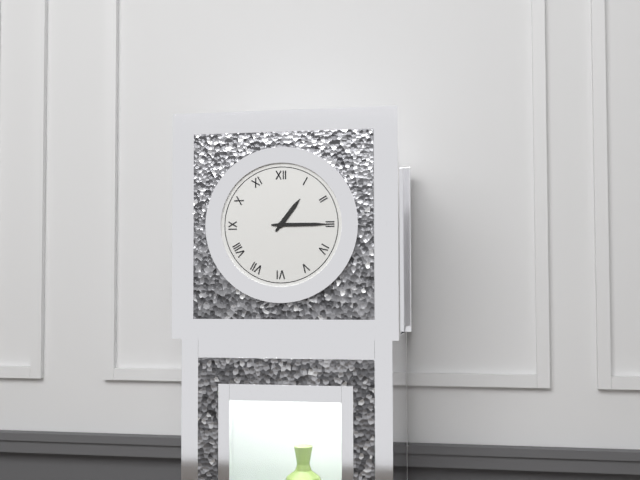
1:15
